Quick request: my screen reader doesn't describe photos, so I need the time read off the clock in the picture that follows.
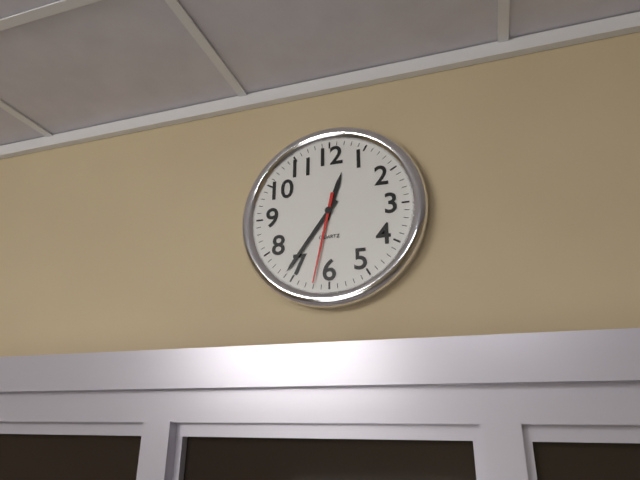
12:36:32
